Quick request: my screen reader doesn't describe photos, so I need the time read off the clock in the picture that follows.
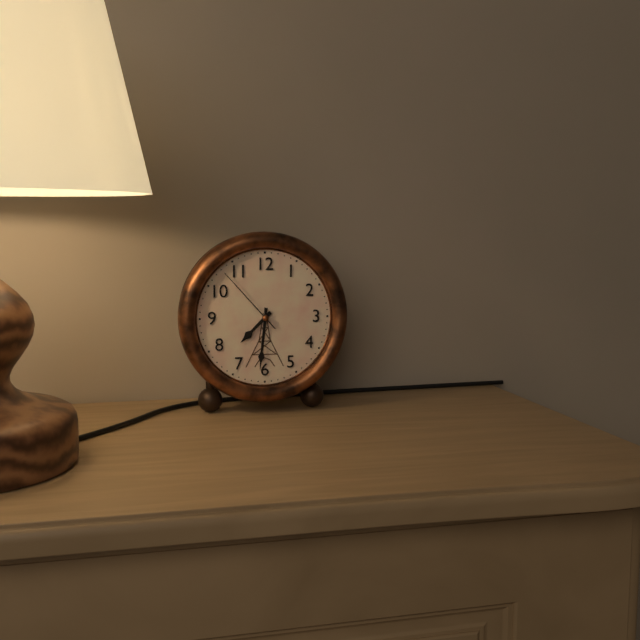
7:31:53
